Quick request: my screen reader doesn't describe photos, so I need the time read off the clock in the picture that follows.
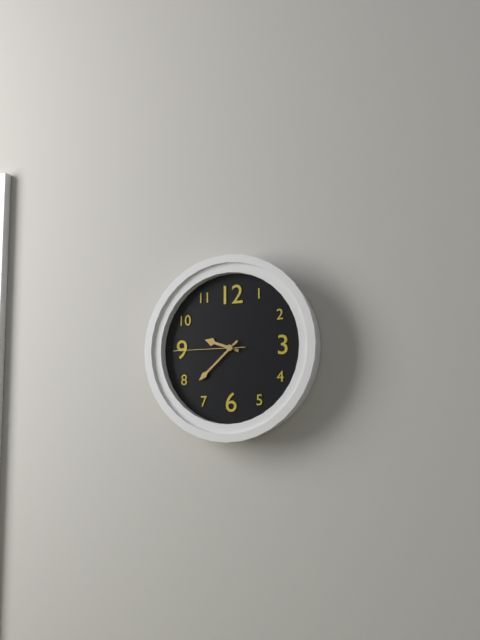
9:38:45
